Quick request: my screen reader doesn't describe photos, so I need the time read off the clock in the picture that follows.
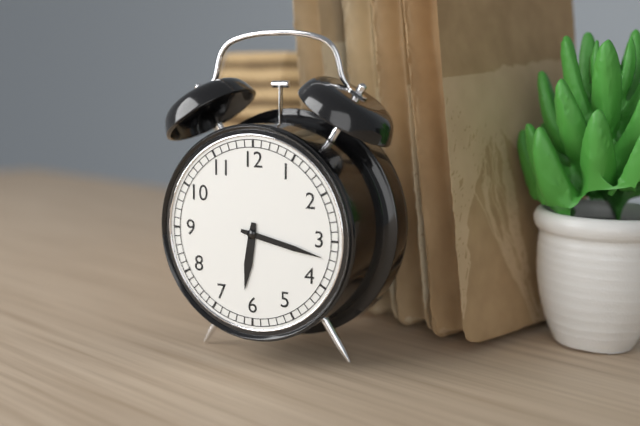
6:17
